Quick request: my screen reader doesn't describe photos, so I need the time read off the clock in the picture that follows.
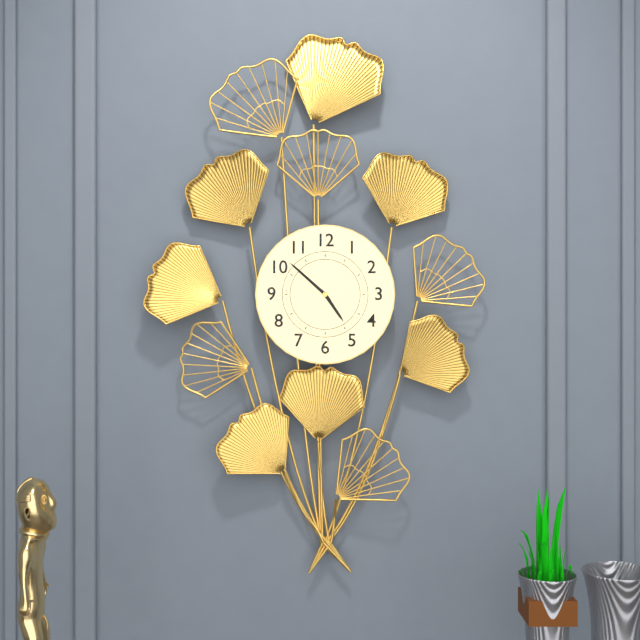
4:52
